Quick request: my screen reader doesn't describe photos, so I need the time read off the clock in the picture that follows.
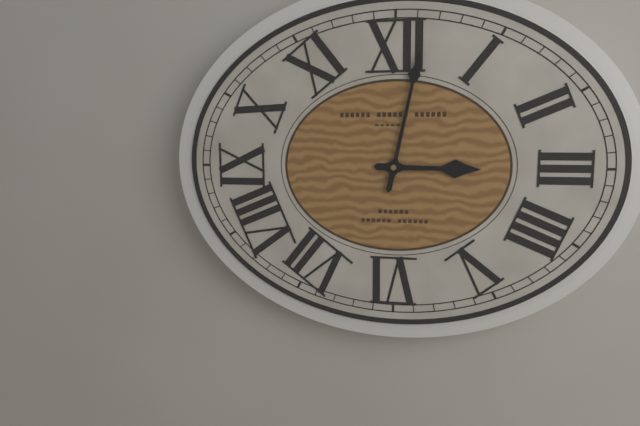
3:02
